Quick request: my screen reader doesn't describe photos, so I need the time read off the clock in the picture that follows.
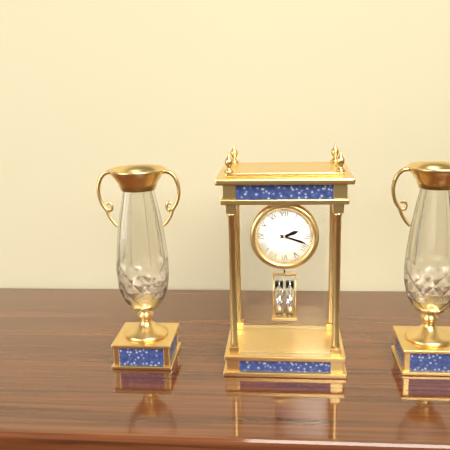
2:18
